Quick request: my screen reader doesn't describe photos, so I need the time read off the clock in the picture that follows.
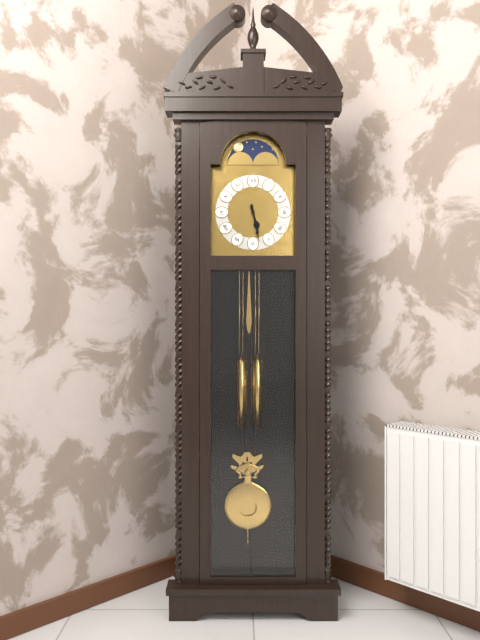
5:28
